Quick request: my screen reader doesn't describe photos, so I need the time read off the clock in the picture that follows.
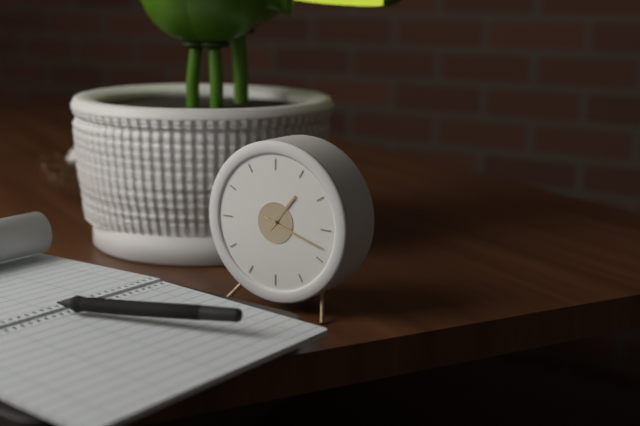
1:18
